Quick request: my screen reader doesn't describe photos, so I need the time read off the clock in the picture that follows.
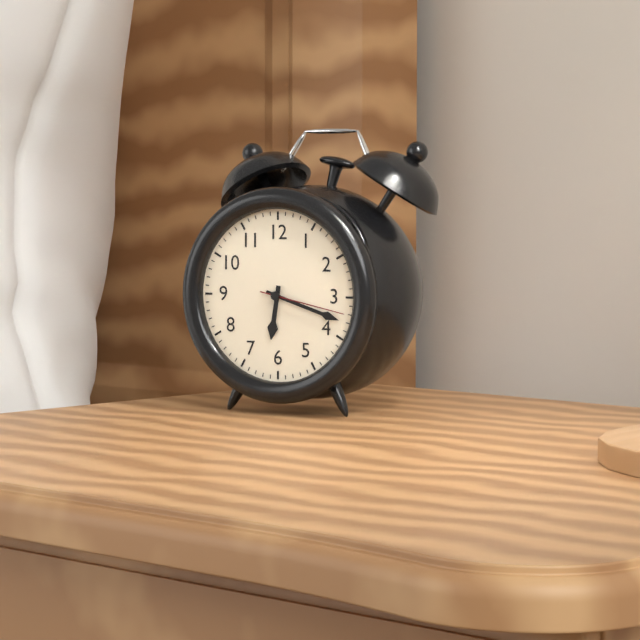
6:18:17
